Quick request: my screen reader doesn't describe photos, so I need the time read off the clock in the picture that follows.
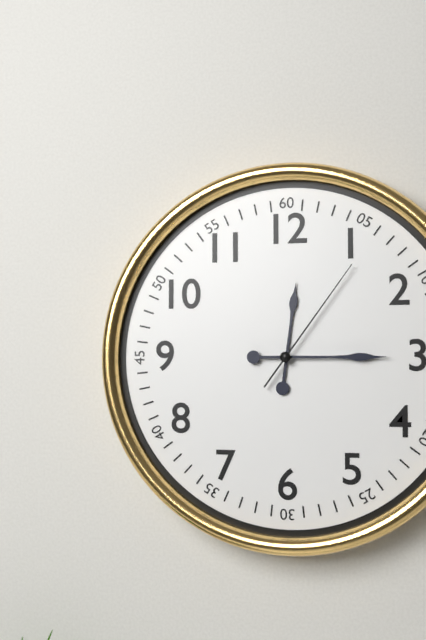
12:15:06
